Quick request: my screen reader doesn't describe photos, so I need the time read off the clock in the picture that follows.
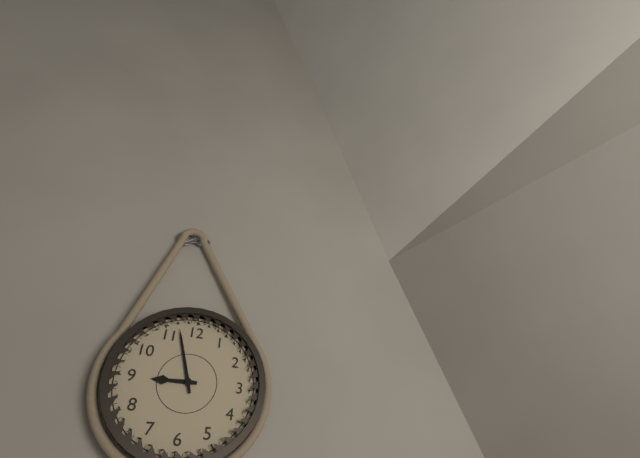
8:57
